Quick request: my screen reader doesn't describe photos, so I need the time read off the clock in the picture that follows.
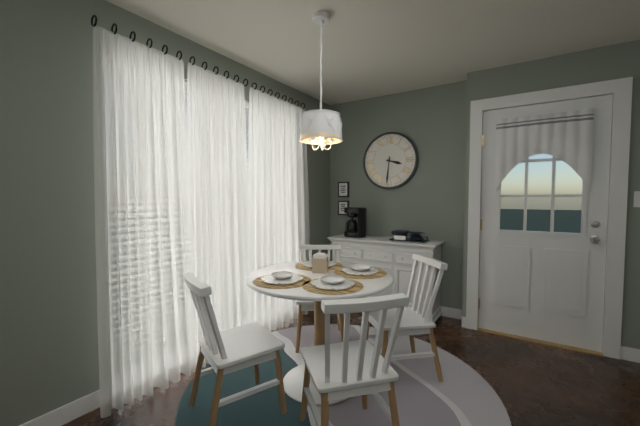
3:31
